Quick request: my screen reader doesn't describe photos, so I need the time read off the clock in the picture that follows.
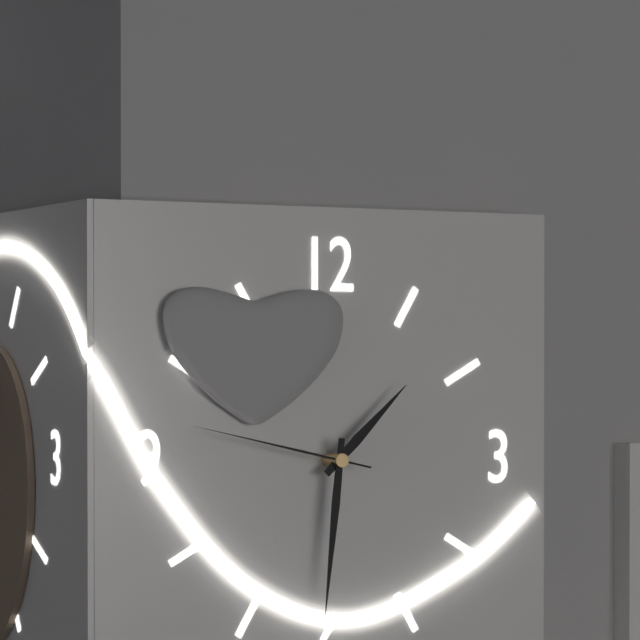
1:31:47
